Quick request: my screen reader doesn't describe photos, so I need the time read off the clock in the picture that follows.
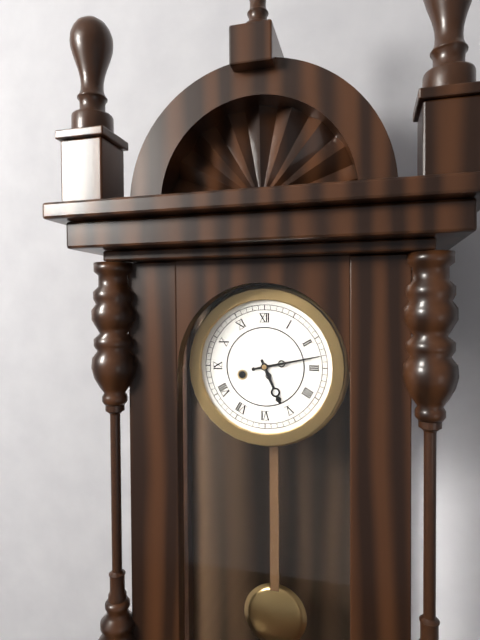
5:13
